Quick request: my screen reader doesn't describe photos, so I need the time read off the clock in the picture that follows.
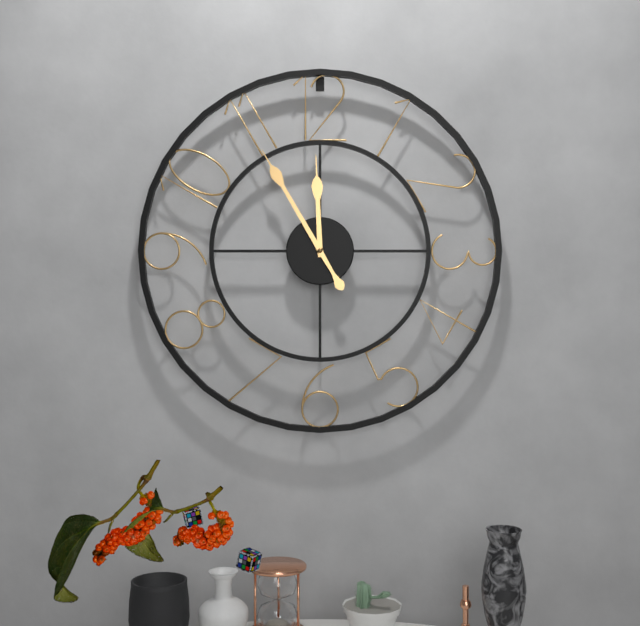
11:55
